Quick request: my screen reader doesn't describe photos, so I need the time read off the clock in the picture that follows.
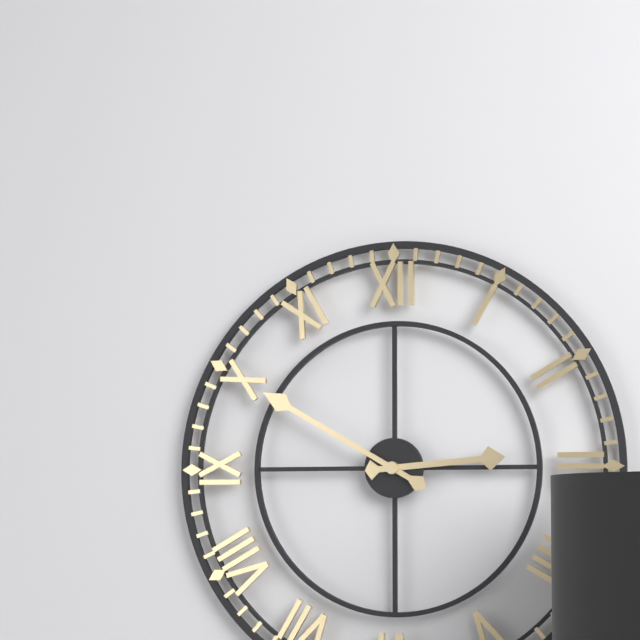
2:50
